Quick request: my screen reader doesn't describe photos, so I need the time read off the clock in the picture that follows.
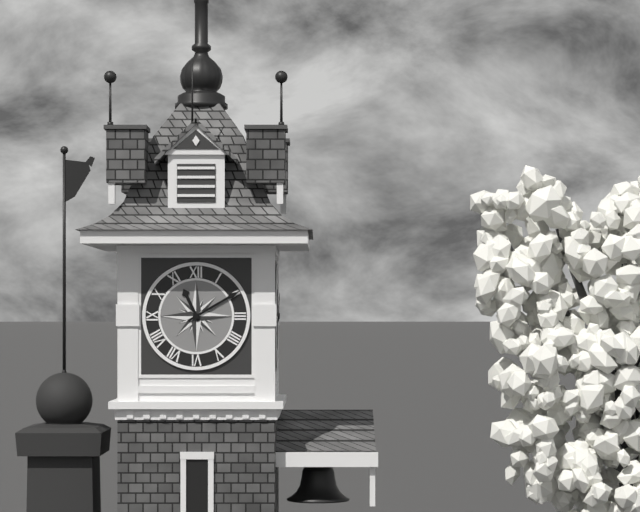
11:10
